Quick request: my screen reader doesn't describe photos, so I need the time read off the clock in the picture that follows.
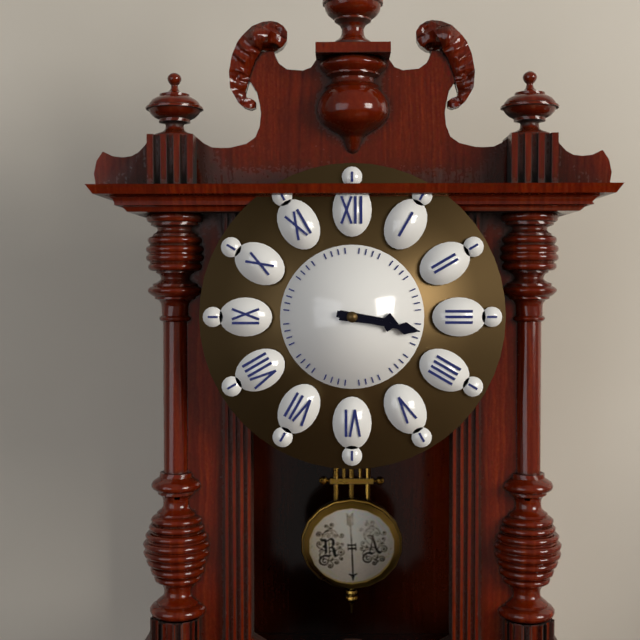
3:17
